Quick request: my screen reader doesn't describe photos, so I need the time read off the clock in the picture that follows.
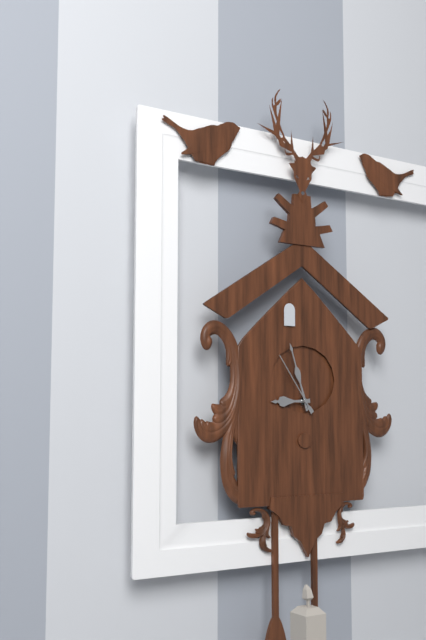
8:57:54
